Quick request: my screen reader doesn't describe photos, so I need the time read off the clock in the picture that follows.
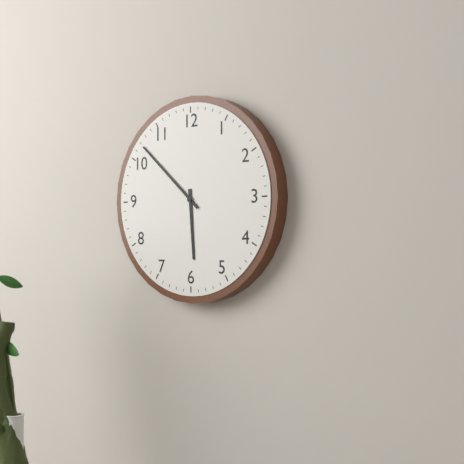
5:52
